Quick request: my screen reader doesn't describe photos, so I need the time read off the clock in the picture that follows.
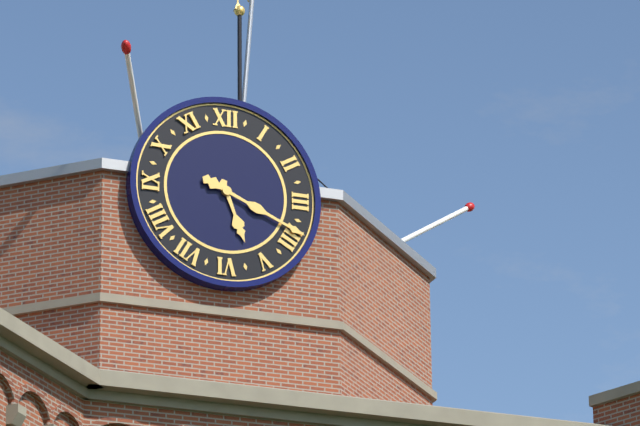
5:19
